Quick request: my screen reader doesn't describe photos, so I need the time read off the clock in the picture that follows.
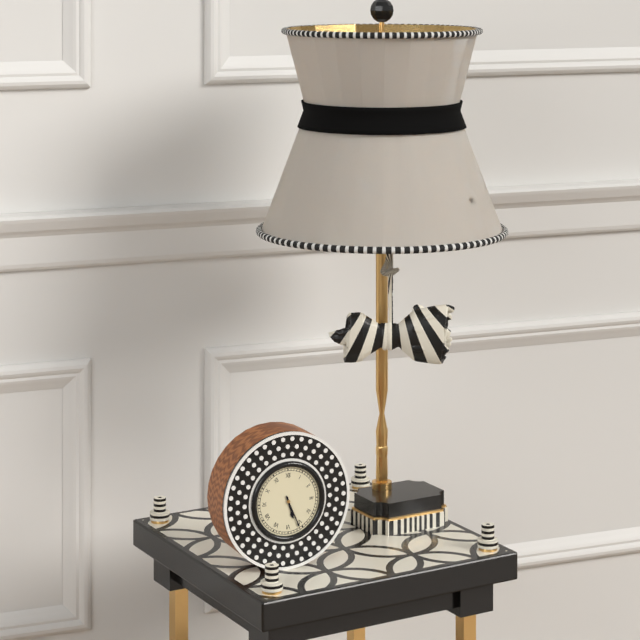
5:26
